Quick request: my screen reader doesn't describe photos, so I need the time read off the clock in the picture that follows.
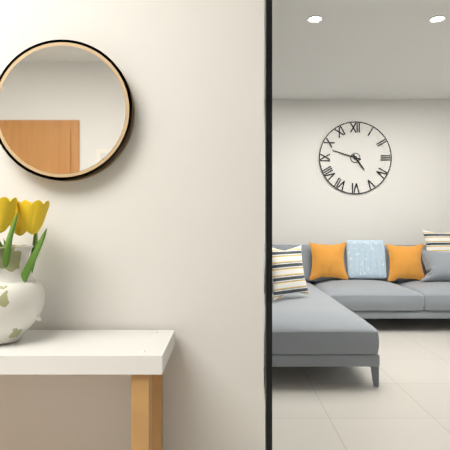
4:48
